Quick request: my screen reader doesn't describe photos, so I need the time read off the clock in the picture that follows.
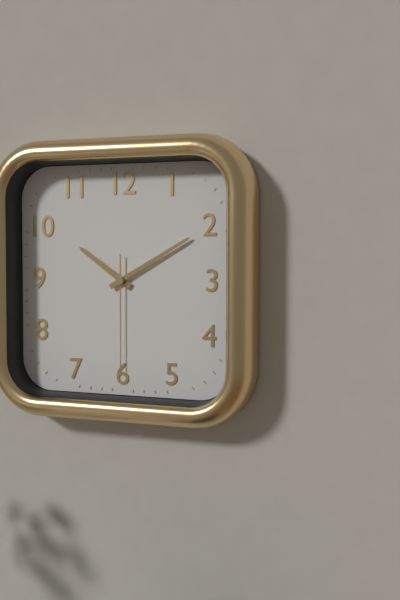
10:10:30
